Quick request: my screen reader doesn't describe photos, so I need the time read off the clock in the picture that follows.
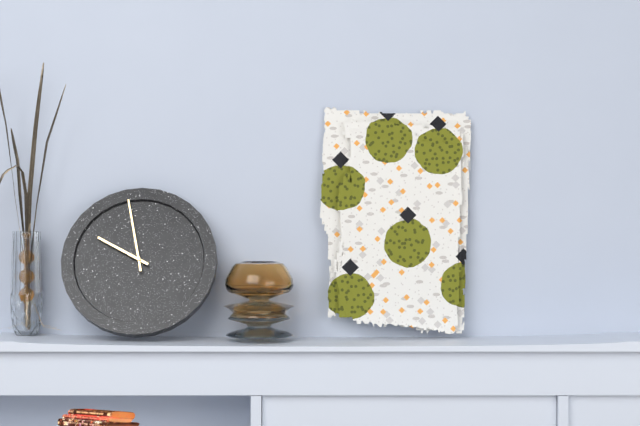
9:58
